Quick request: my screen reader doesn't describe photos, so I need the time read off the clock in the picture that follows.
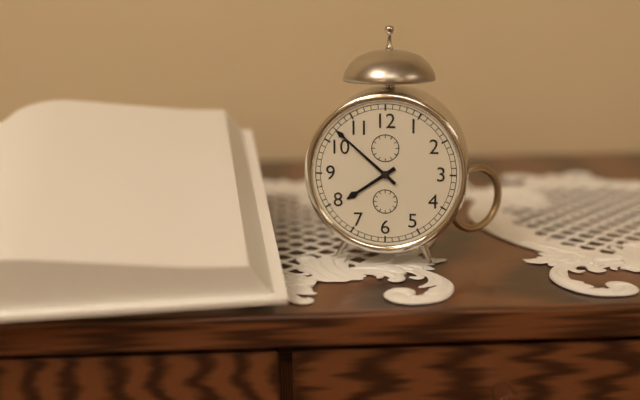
7:52
